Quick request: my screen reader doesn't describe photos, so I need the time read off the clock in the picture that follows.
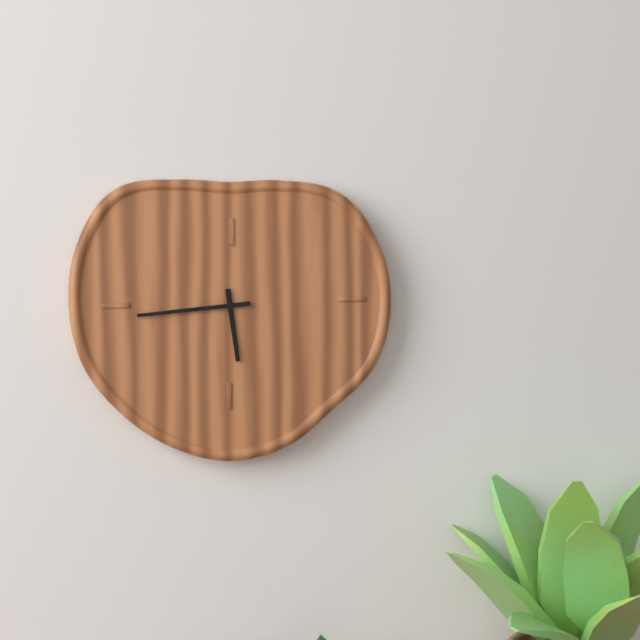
5:44
